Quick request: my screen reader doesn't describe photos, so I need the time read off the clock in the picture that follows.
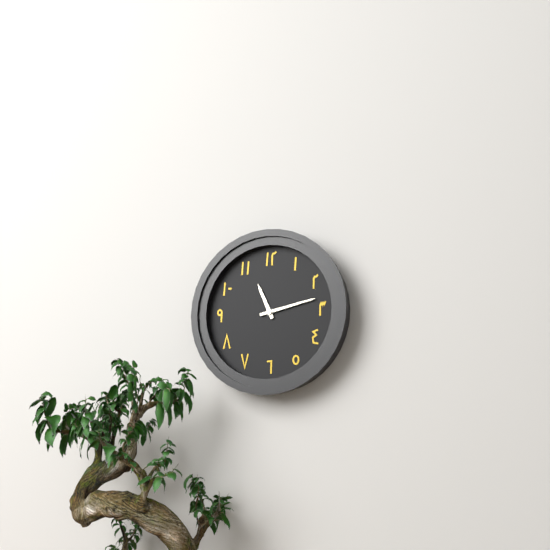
11:13
